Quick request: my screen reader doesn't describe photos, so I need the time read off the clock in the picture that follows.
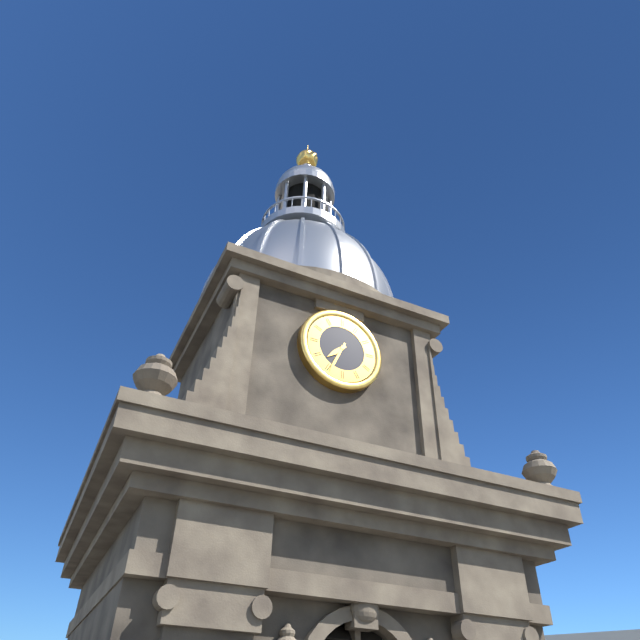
7:34
